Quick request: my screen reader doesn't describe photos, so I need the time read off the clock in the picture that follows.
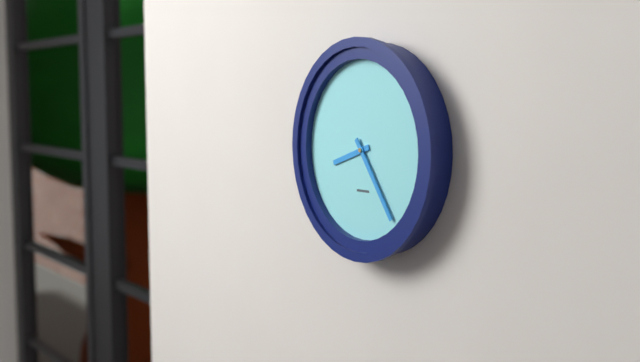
8:24
